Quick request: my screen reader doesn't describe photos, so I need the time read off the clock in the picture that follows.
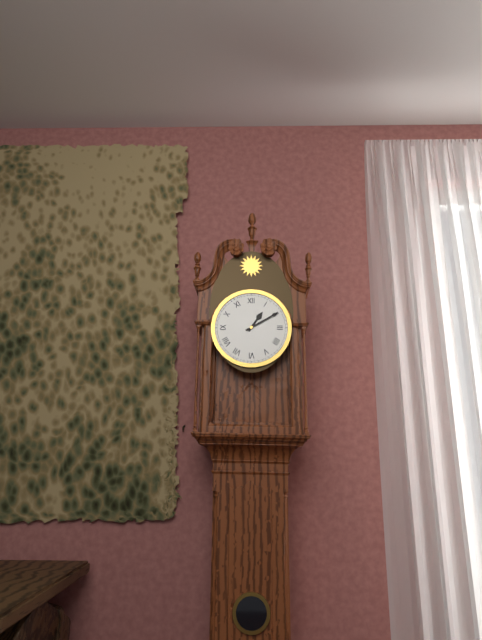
1:10
